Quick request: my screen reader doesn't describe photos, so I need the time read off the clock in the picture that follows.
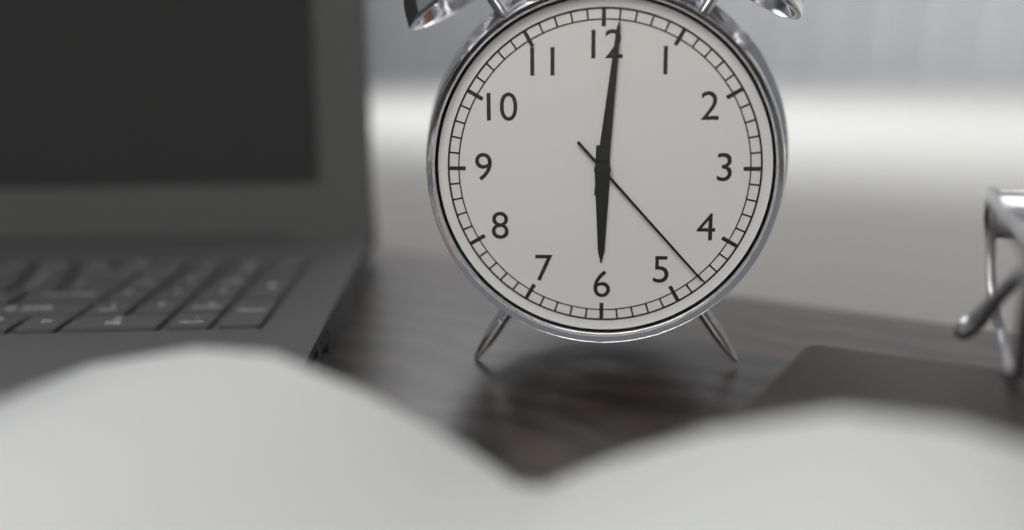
6:01:23
